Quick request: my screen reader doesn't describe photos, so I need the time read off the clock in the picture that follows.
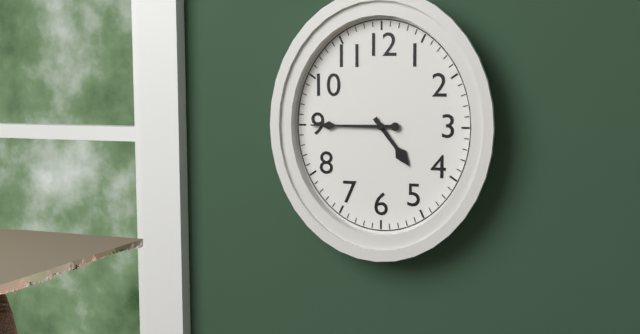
4:45
